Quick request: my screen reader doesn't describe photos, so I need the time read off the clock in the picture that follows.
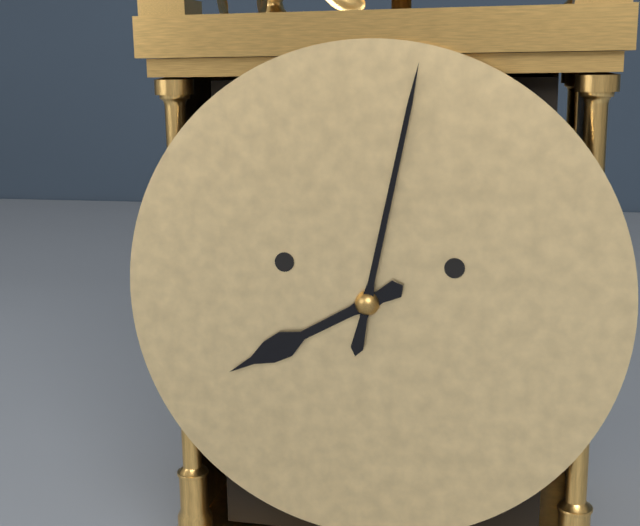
8:02
